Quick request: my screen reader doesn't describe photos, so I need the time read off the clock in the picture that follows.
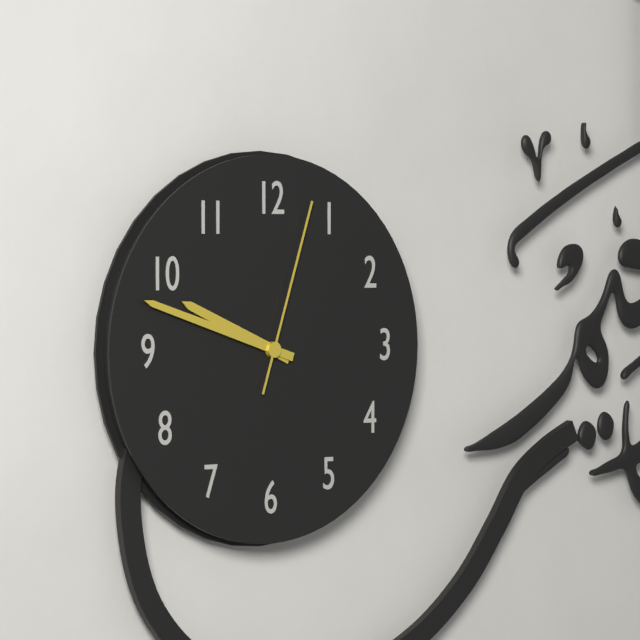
9:48:03
